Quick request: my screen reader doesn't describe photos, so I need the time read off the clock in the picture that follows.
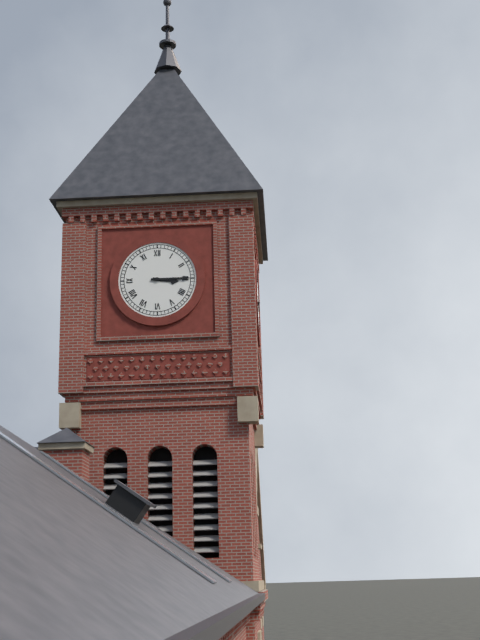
3:15
